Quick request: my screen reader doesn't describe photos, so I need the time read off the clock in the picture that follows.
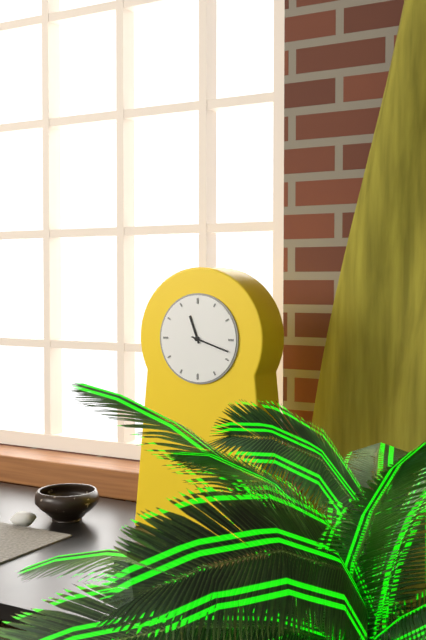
11:18
